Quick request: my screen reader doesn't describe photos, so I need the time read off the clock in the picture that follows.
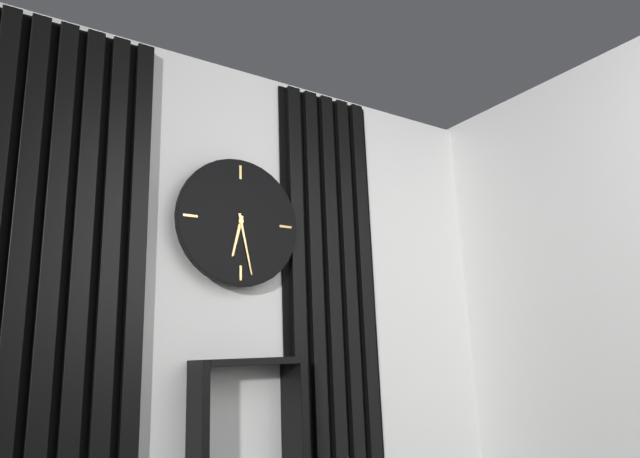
6:28
